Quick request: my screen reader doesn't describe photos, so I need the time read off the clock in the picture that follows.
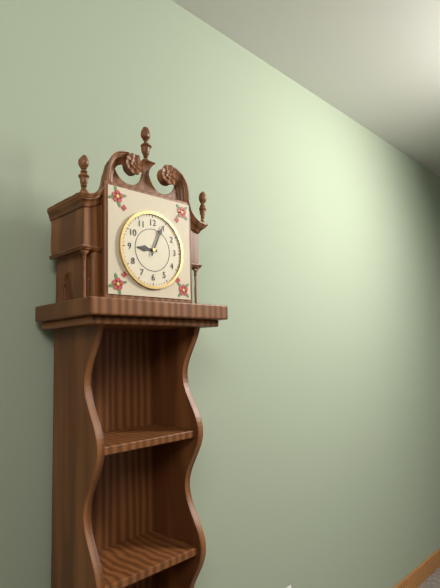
9:04
